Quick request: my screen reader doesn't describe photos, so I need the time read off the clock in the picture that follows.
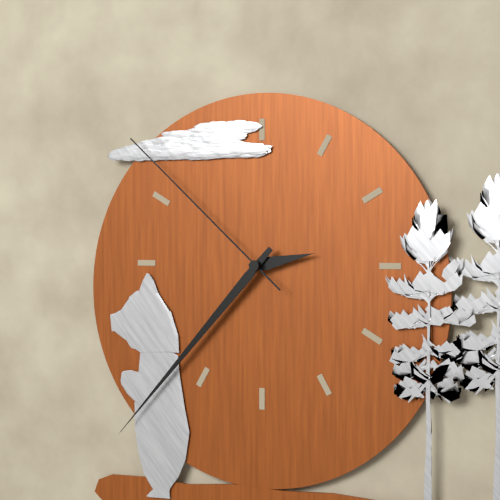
2:37:52
